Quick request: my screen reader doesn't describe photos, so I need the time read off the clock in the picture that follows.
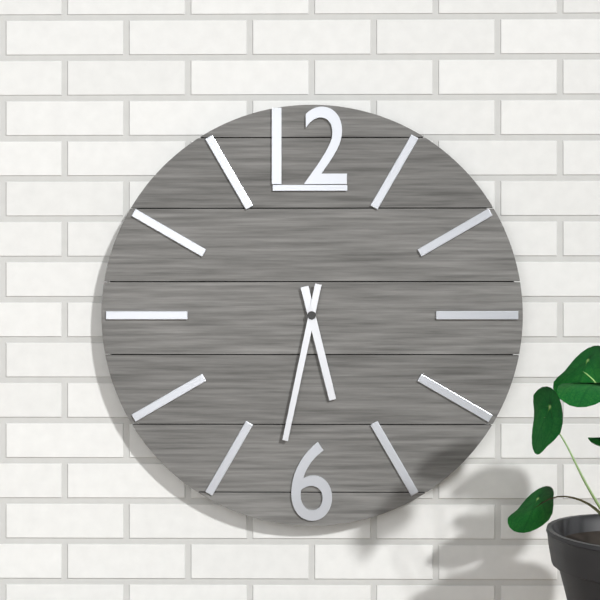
5:32
